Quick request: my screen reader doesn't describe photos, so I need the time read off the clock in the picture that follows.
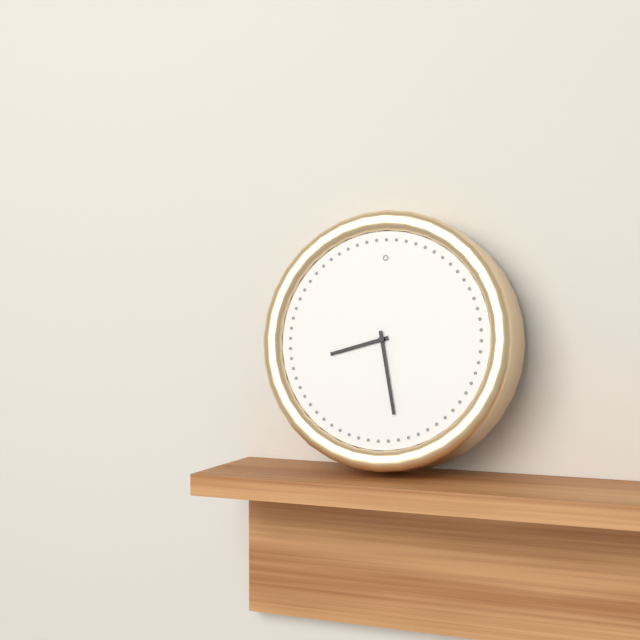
8:28
